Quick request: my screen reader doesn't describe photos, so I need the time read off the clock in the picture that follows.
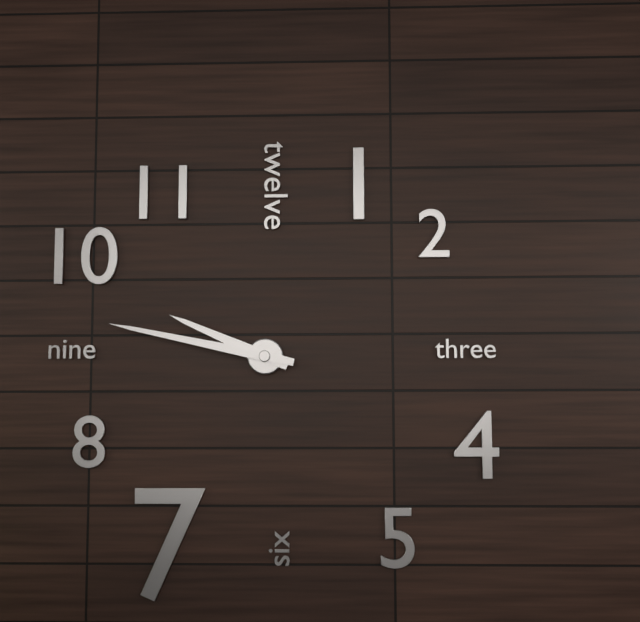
9:47
